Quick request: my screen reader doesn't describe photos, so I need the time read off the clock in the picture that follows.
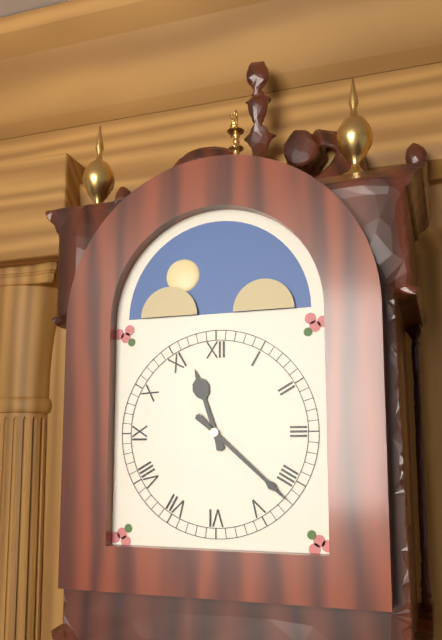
11:22
